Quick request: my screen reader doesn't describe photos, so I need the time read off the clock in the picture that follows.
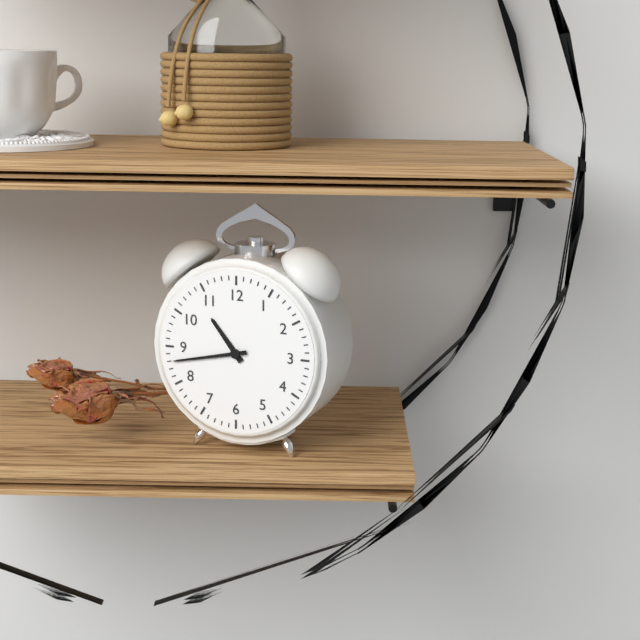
10:43
